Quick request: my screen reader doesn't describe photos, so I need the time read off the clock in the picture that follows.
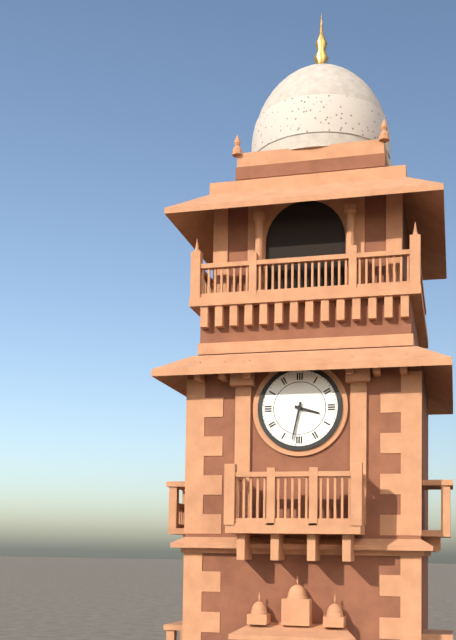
3:32
